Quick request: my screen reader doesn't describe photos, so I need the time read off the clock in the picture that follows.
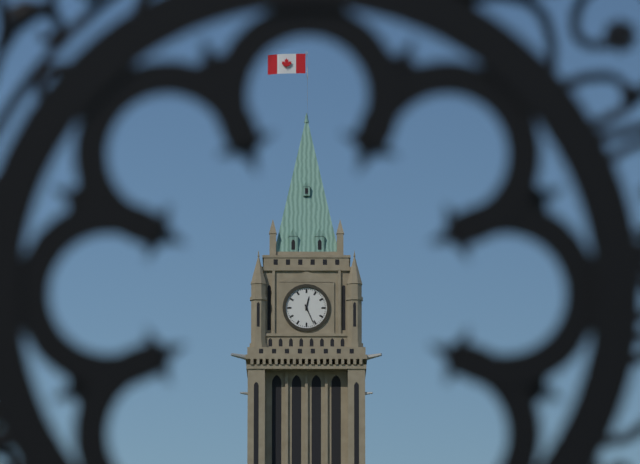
12:26
